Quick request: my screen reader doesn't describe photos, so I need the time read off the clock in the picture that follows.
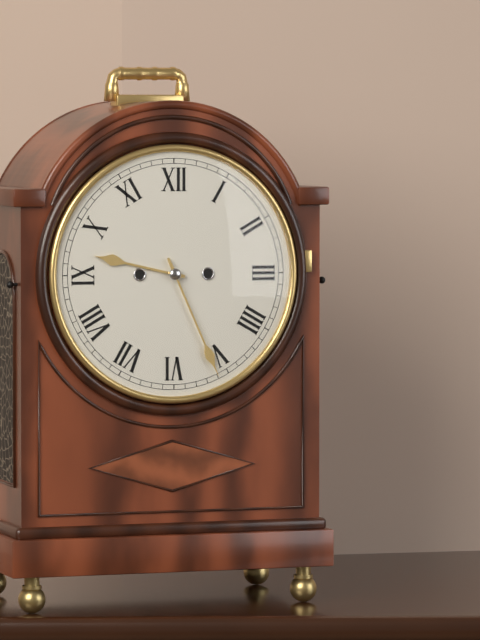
9:26
